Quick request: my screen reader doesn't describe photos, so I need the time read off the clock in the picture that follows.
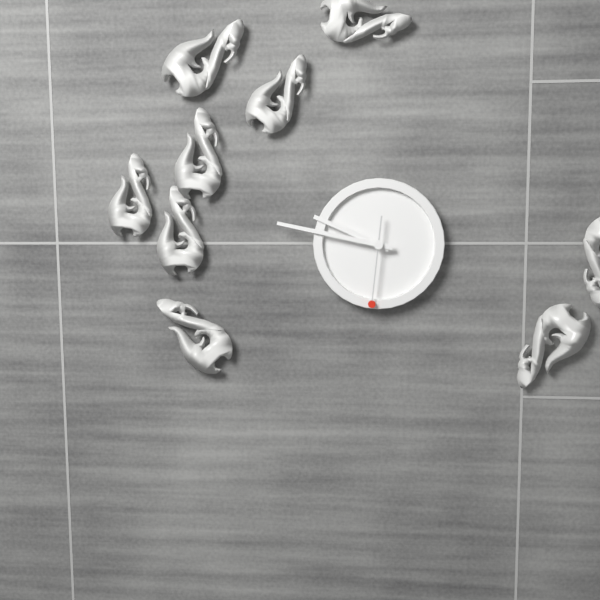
9:47:31
